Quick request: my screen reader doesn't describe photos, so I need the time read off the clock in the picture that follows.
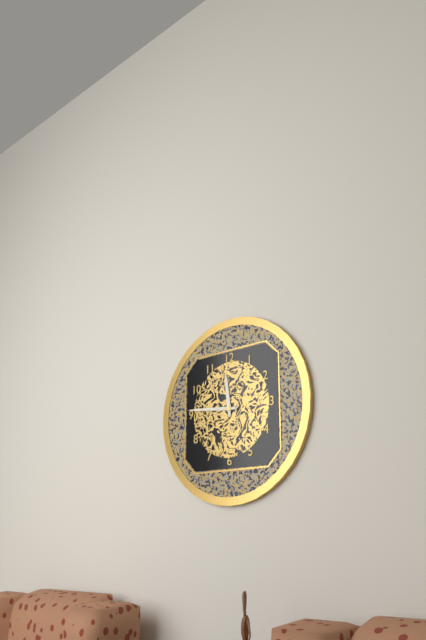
11:46
